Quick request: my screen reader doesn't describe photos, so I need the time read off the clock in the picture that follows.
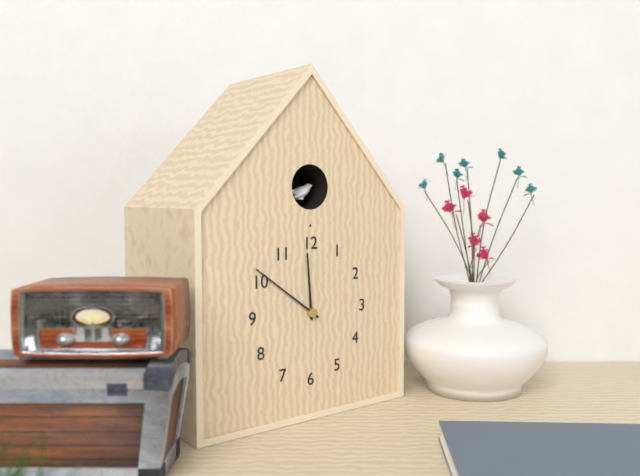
11:51
